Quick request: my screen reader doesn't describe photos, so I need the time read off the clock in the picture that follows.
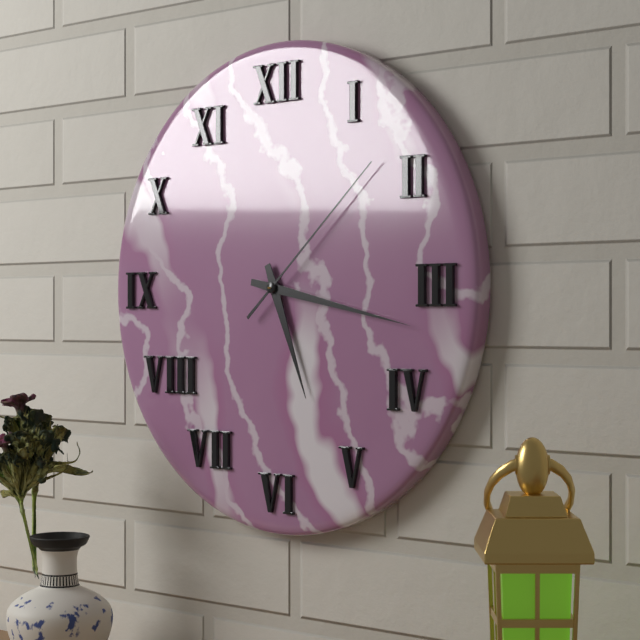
5:17:08
